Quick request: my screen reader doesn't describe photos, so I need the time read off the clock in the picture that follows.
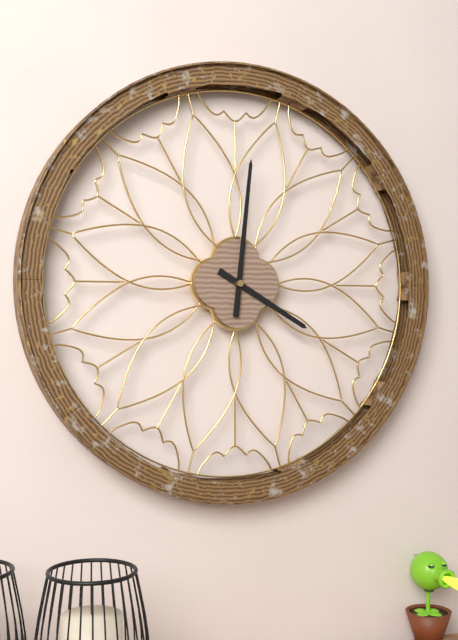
4:01
